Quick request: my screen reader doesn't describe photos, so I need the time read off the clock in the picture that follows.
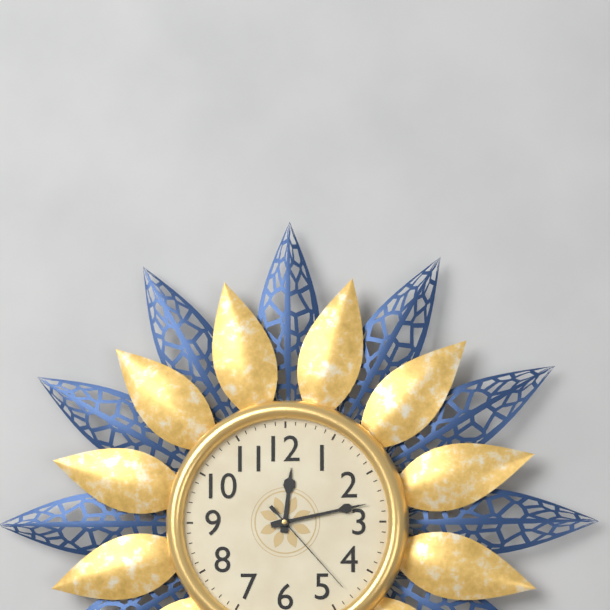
12:13:23
